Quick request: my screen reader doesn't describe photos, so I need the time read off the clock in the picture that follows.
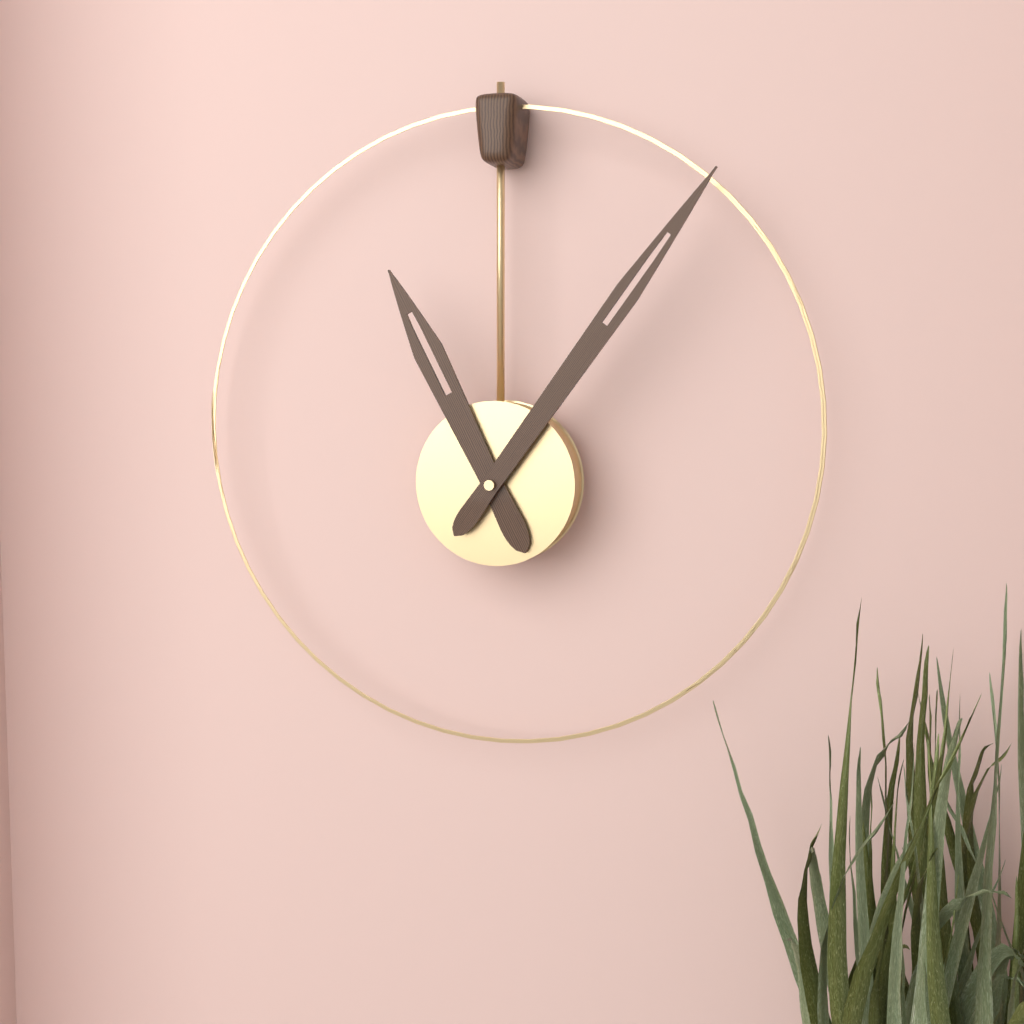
11:06
